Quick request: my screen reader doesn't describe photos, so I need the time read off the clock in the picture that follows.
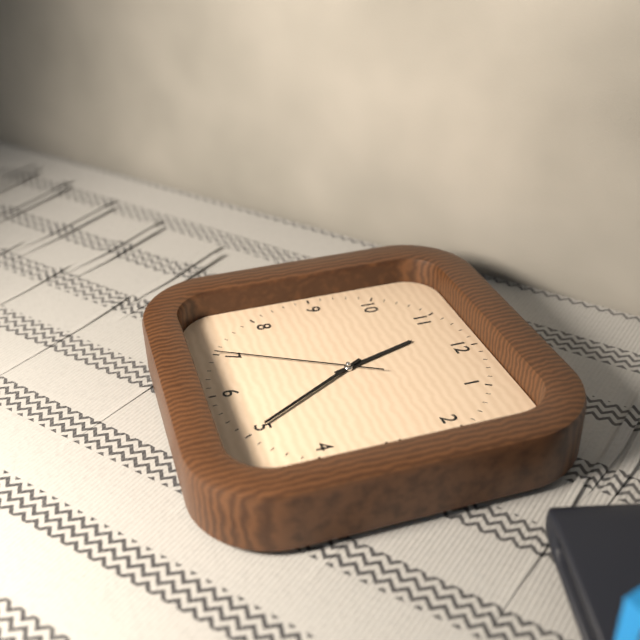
11:25:35
